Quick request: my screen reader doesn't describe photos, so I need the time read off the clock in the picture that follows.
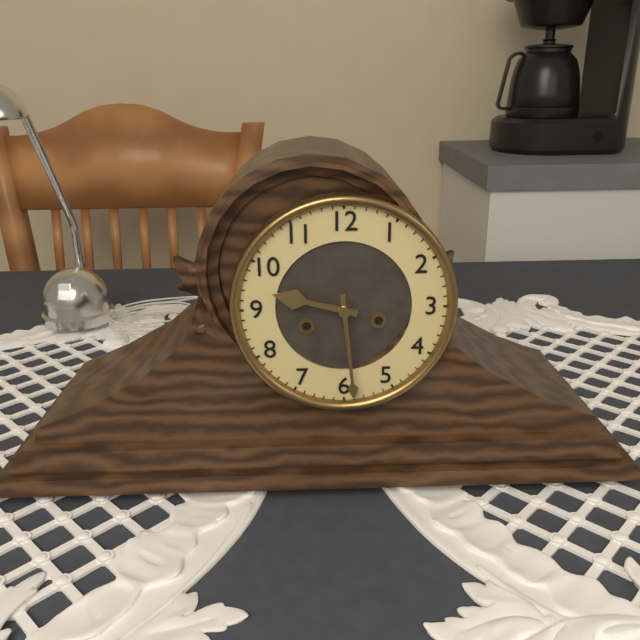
9:29
